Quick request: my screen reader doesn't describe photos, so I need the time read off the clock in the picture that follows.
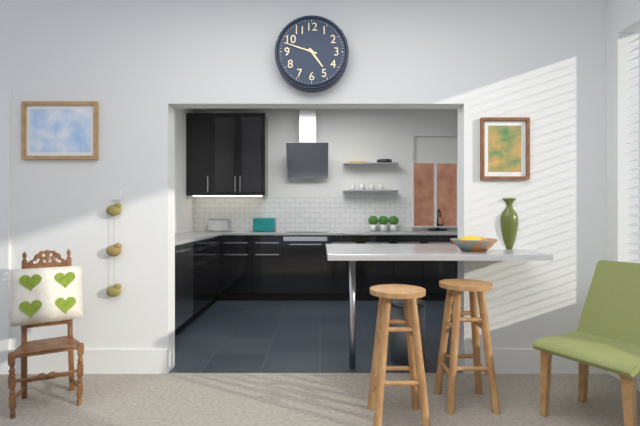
4:48
